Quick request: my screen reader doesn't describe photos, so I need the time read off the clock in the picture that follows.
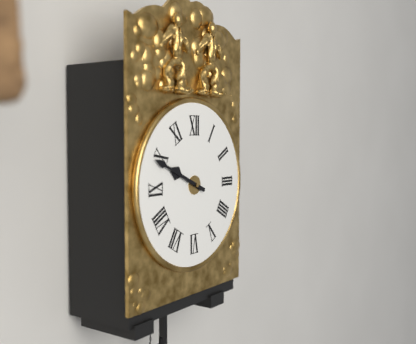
9:49
